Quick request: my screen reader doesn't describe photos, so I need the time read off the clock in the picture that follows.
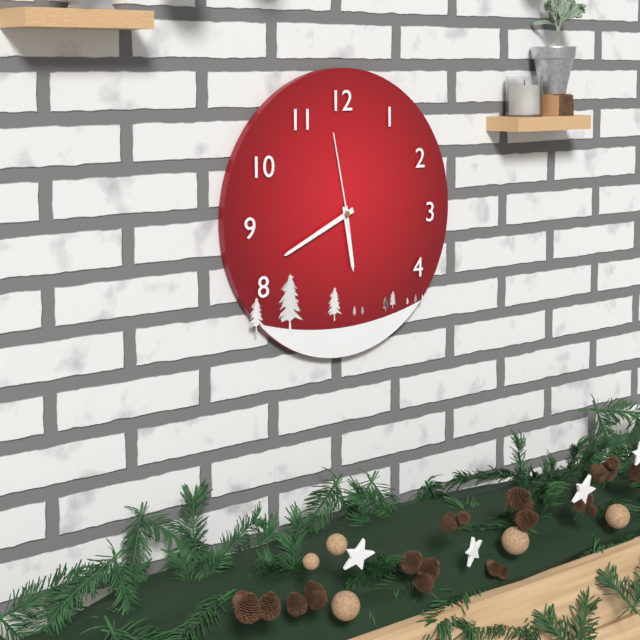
5:41:58
